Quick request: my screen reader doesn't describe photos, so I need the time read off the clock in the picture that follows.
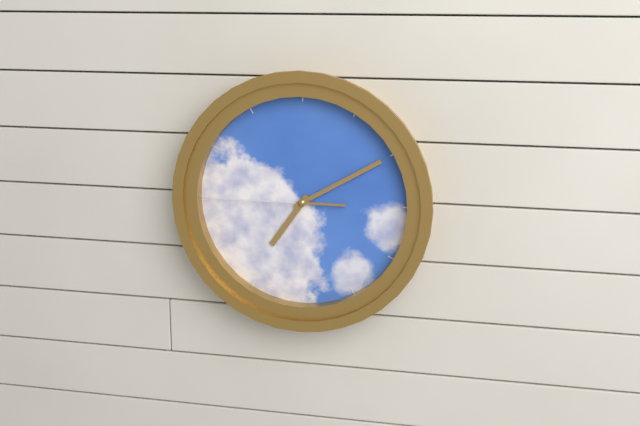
7:10:45
